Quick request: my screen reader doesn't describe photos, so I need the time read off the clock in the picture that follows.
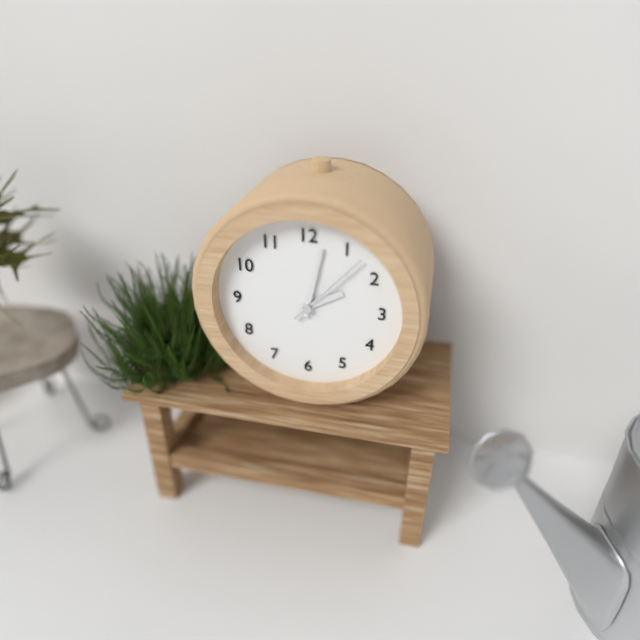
2:02:07
